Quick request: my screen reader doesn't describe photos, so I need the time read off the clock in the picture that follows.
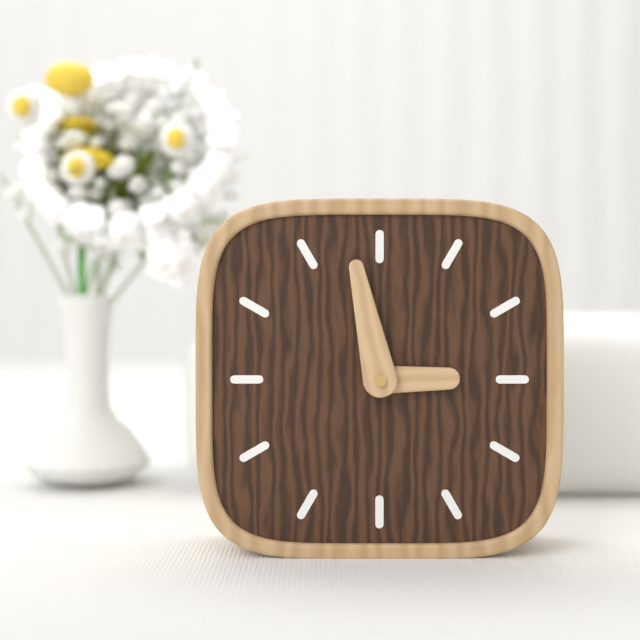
2:58
